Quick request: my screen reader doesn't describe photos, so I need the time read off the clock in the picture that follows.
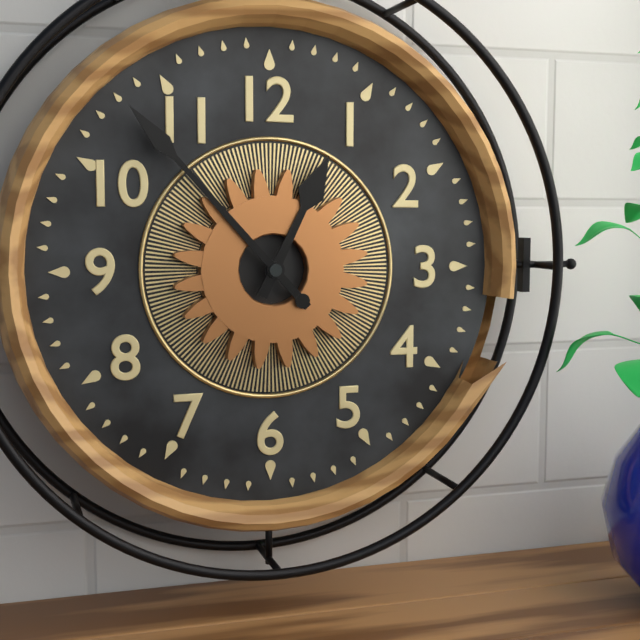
12:53
